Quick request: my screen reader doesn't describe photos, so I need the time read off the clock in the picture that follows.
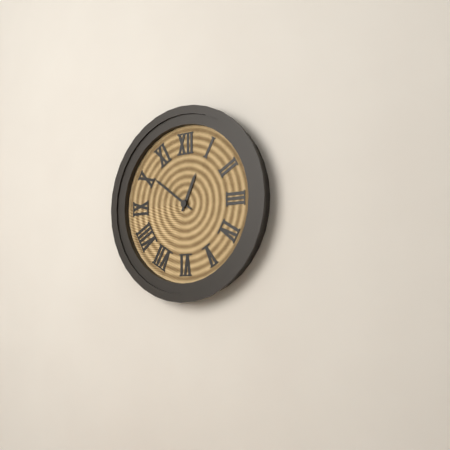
12:51
